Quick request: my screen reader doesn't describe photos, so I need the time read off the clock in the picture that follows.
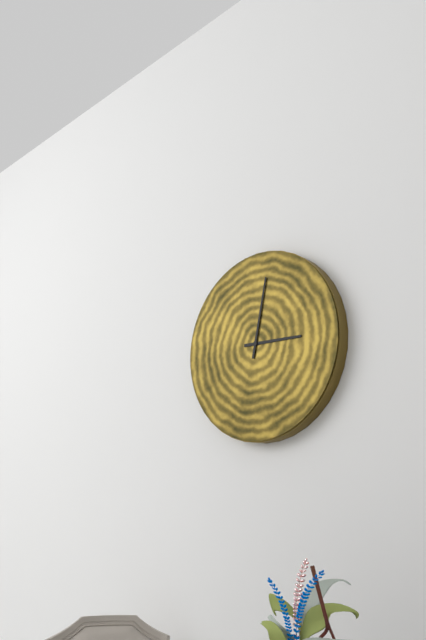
3:02
